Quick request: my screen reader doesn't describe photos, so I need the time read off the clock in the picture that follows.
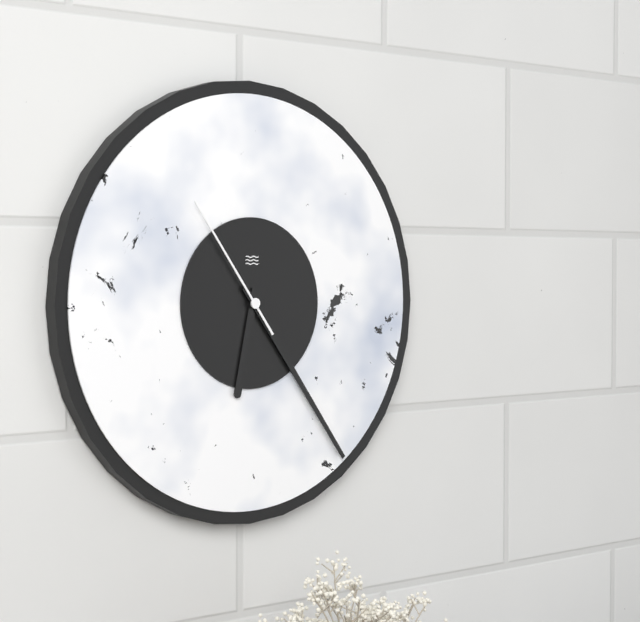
6:24:54
